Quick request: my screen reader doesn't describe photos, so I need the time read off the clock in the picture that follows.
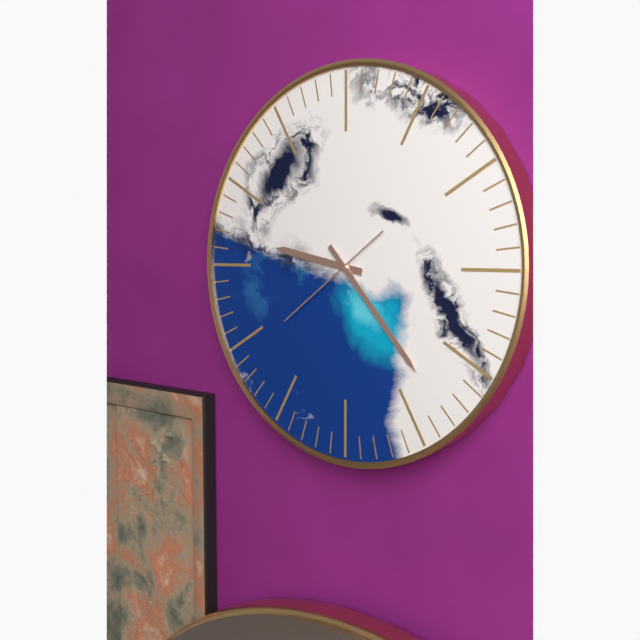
9:23:39
